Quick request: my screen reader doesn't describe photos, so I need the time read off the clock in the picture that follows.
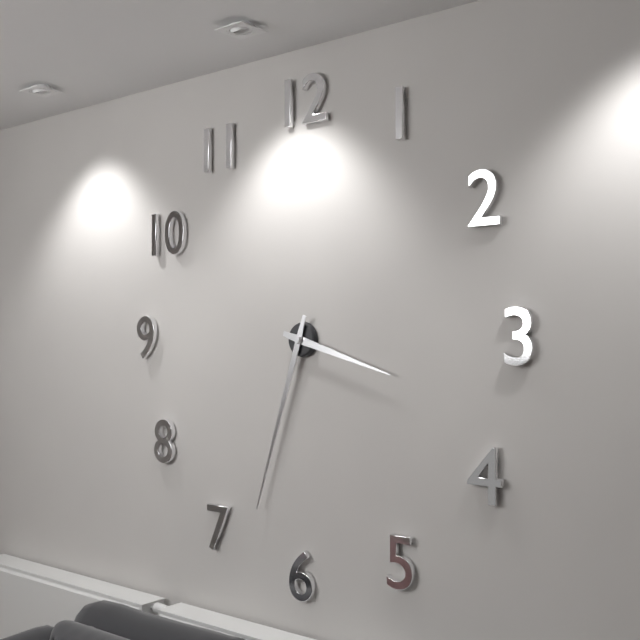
3:33
